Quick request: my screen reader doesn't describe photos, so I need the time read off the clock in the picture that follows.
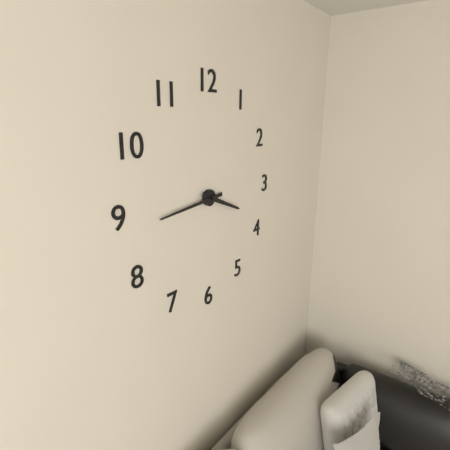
3:44
